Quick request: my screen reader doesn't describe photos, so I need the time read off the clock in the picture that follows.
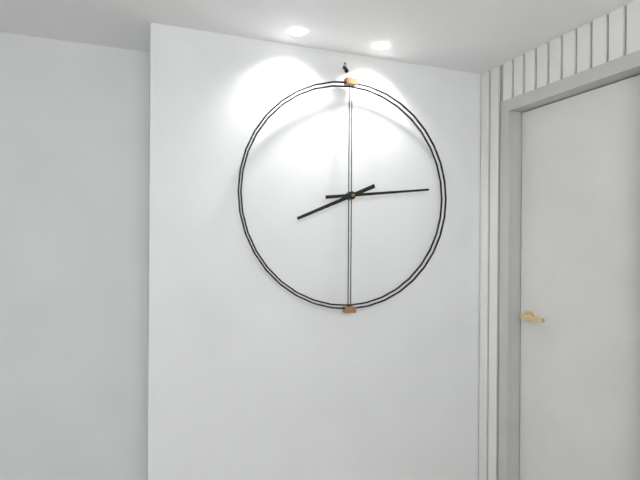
8:14
